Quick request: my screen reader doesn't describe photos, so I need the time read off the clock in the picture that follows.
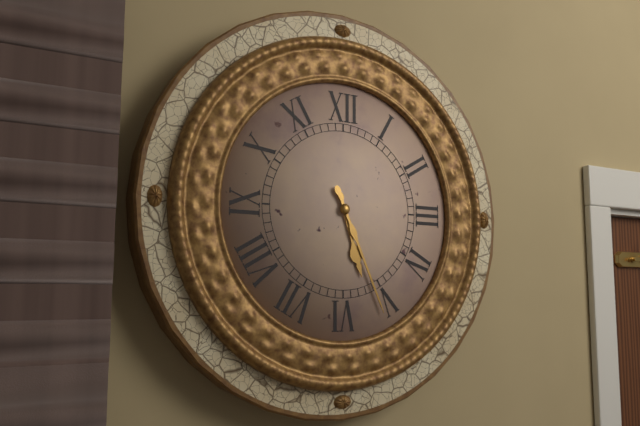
5:26
